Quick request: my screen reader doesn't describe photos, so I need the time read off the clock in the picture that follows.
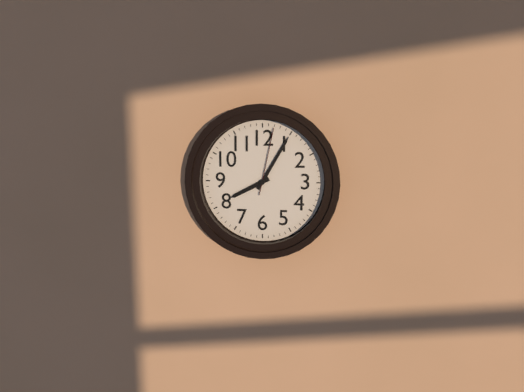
8:05:02
